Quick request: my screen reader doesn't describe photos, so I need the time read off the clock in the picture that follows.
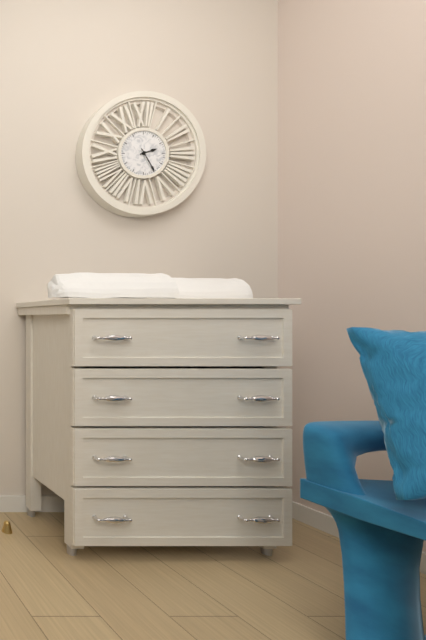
2:25
